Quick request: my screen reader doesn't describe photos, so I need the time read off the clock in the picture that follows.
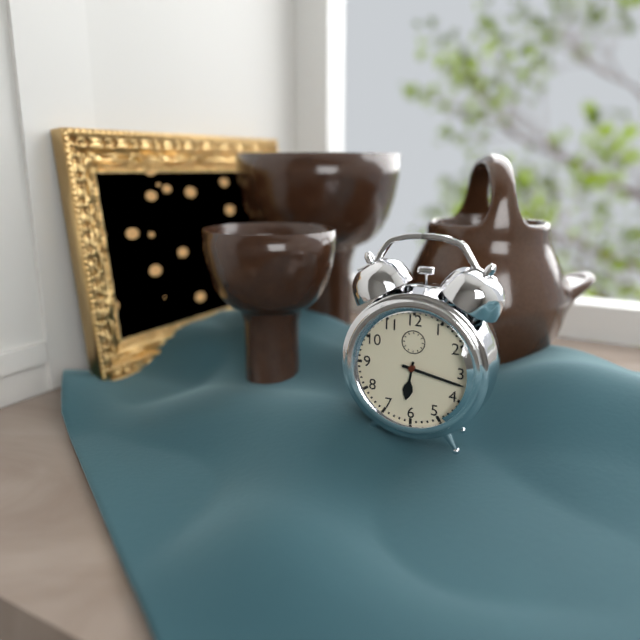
6:17
